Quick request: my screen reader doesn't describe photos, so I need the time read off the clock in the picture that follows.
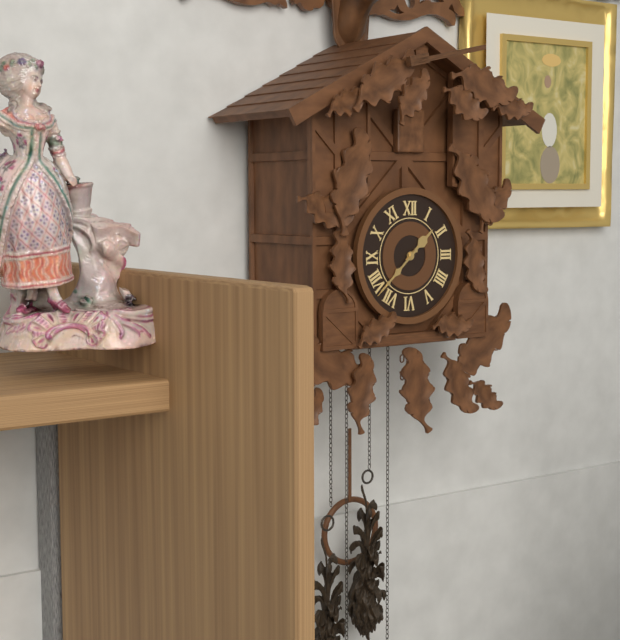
1:38
